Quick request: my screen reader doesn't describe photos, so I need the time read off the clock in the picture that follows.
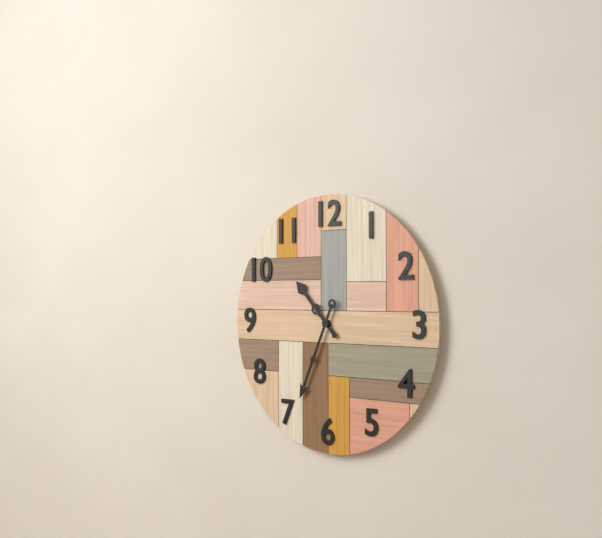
10:34
